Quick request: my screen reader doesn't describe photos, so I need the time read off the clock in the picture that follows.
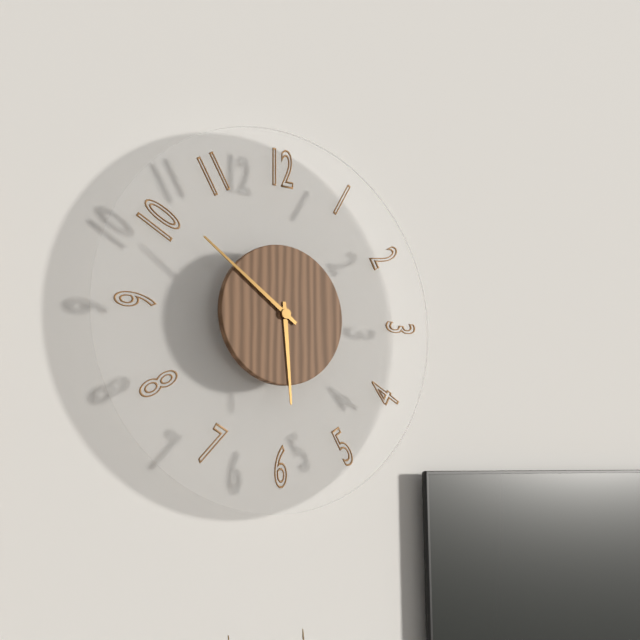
5:51
